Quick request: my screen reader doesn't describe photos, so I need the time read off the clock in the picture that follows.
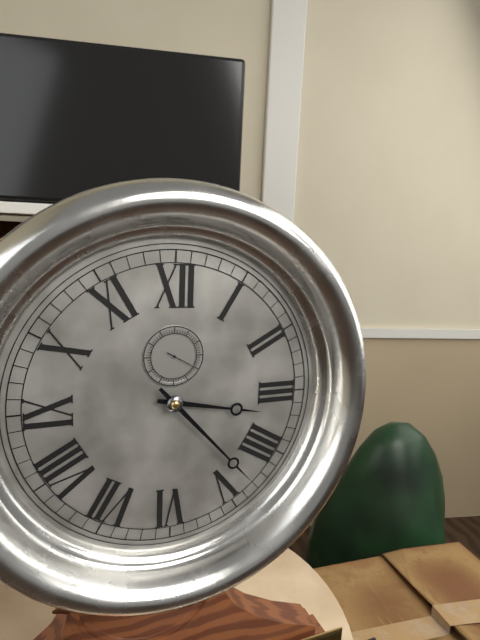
3:23
